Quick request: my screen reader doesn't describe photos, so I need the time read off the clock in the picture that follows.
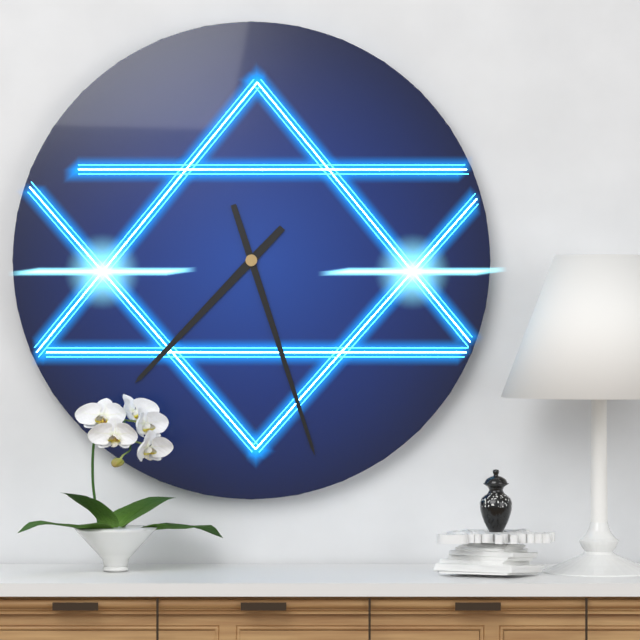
7:27
